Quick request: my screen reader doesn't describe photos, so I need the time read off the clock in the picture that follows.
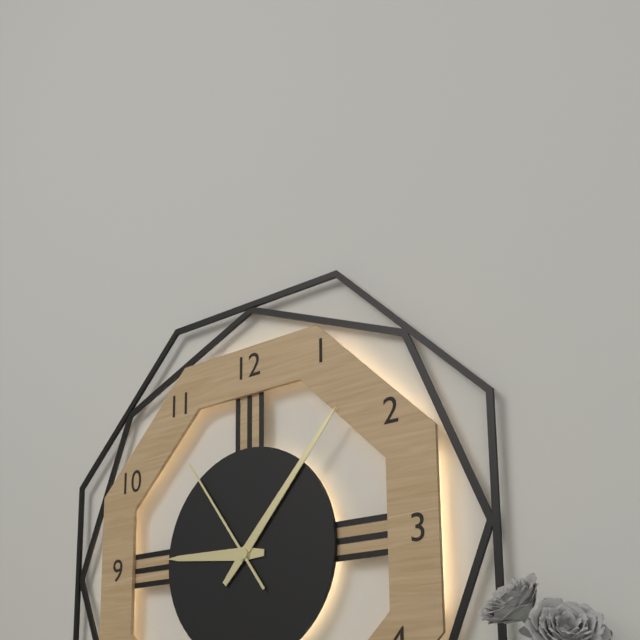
9:07:54
